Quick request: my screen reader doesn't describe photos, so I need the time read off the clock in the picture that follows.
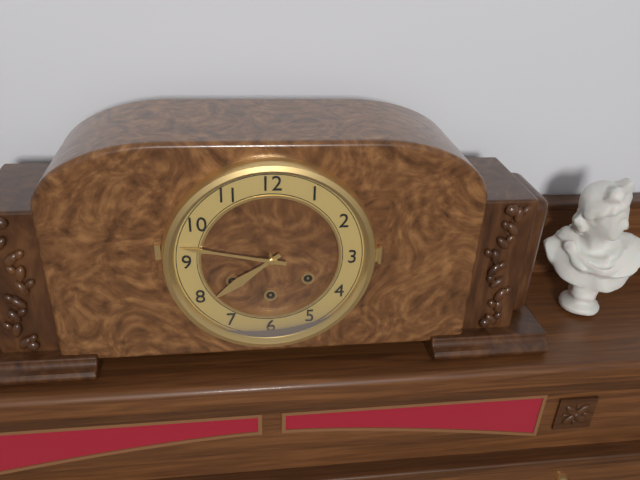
7:47
